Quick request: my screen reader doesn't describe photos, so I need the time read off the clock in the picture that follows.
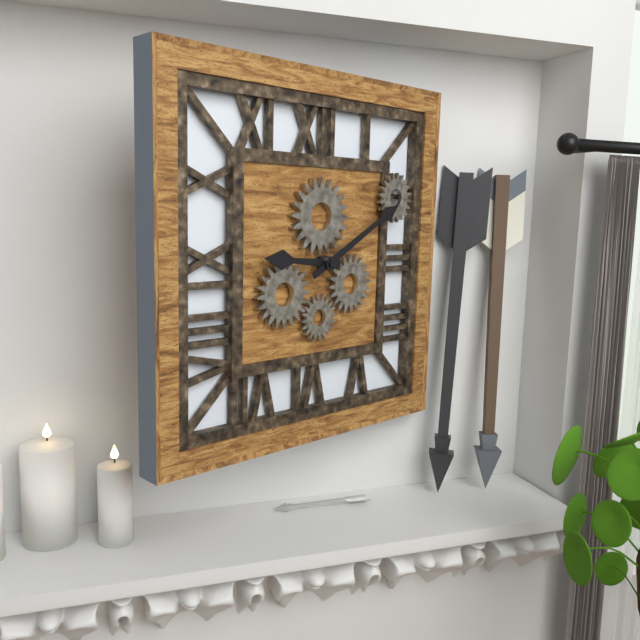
9:10
